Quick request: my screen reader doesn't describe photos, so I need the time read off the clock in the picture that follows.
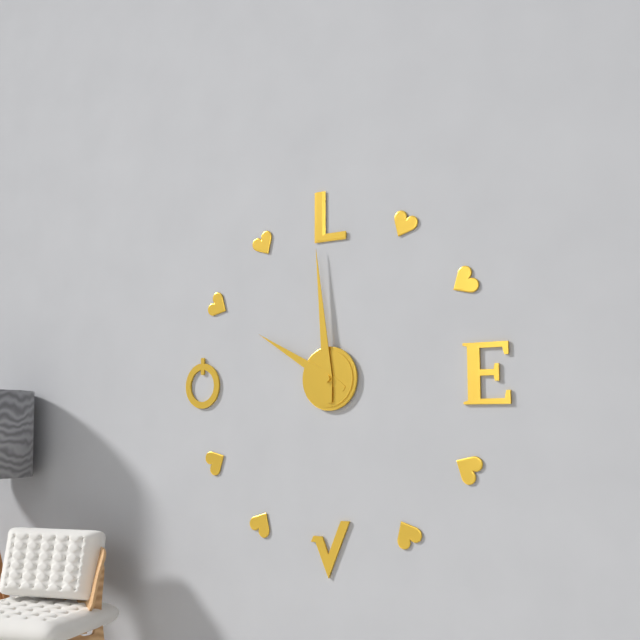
9:59
